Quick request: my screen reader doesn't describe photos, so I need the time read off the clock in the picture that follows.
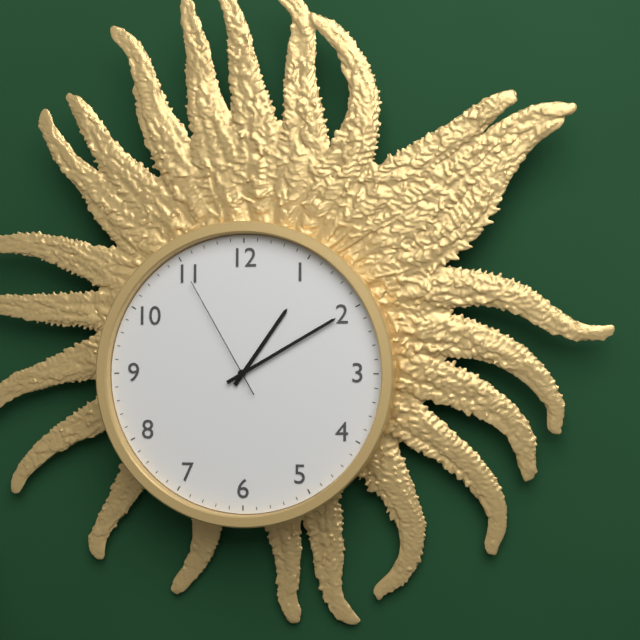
1:10:55
